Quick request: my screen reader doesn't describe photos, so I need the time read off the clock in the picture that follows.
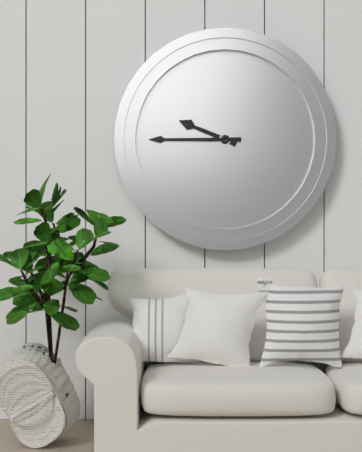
9:45
